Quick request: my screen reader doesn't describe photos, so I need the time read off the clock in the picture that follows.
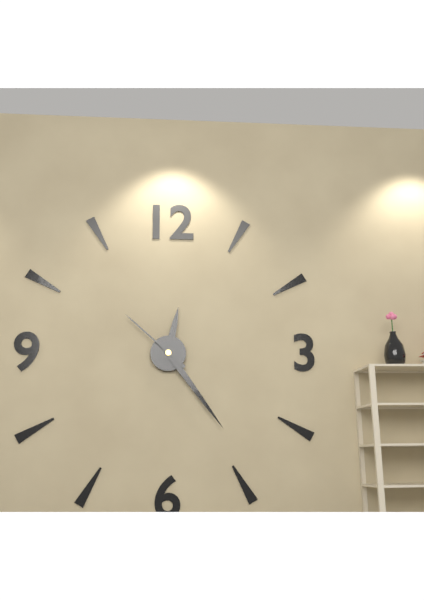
12:24:52
